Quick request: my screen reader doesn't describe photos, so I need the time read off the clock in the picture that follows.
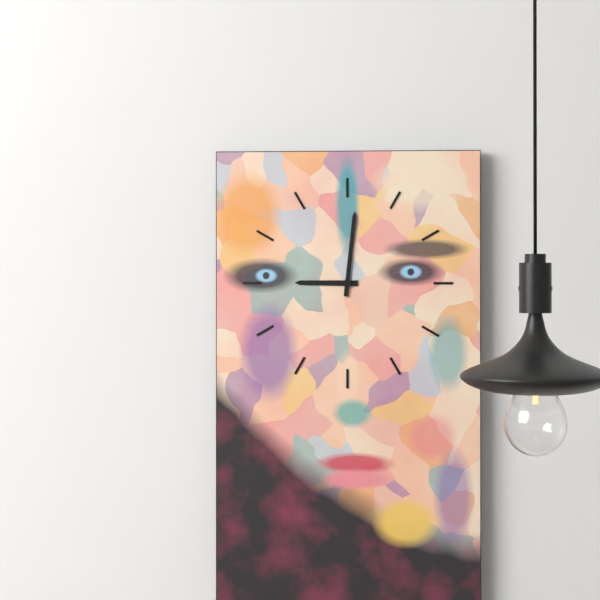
9:01
